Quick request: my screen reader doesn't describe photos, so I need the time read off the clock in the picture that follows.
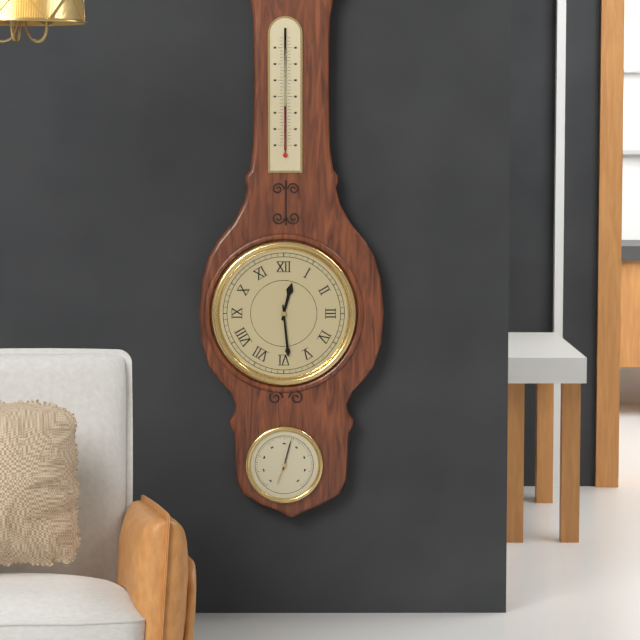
12:29
